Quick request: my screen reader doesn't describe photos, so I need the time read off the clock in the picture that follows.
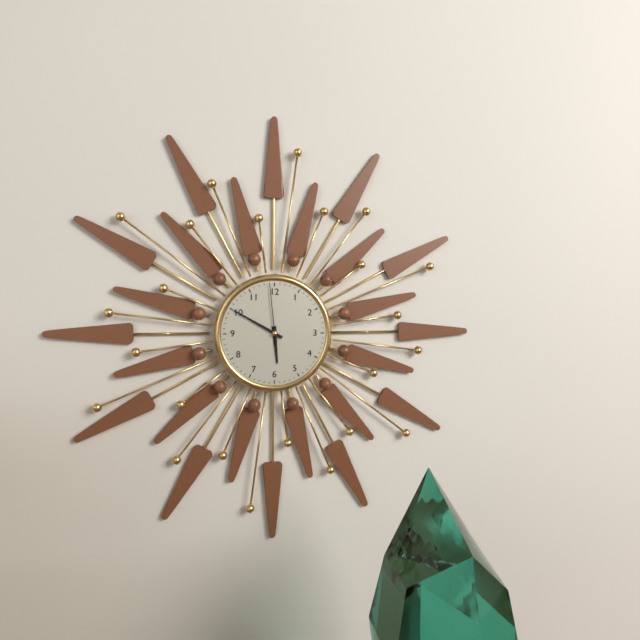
5:50:59
